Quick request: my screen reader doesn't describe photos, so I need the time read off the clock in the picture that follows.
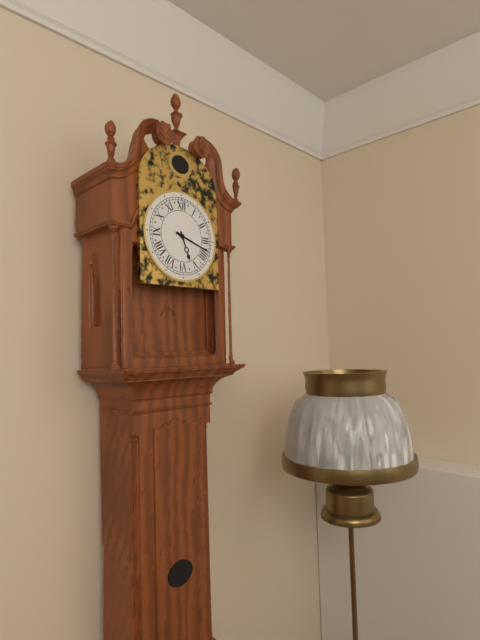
5:18
